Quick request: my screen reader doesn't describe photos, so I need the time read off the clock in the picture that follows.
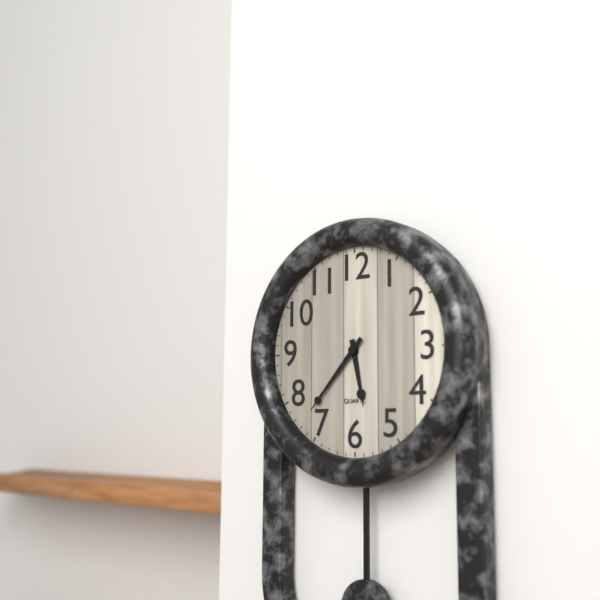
5:37
